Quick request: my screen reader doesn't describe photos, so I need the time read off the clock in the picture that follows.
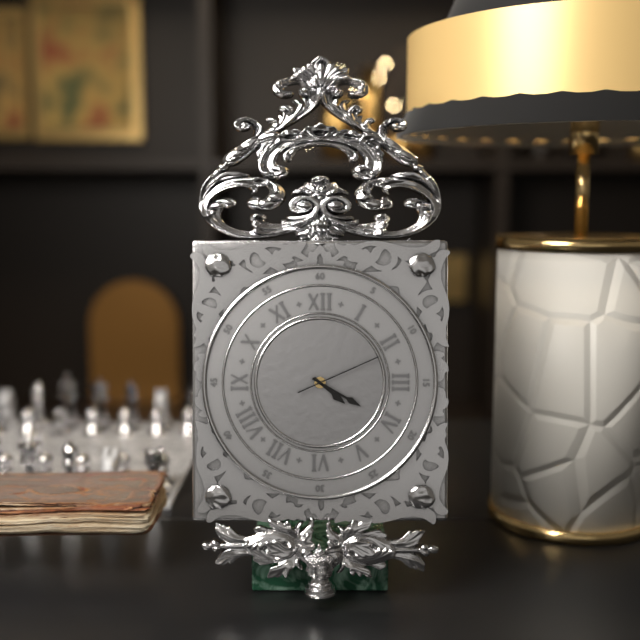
4:20:11
